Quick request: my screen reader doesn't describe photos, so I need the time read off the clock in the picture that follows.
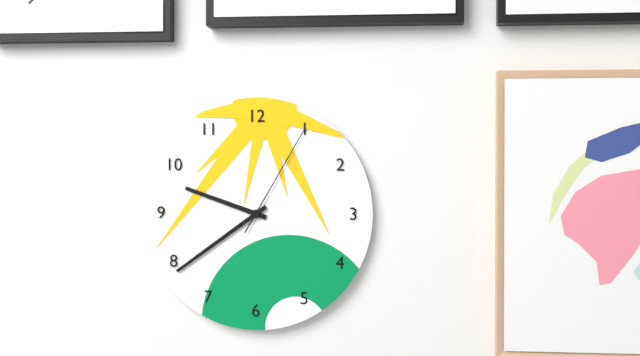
9:39:05
